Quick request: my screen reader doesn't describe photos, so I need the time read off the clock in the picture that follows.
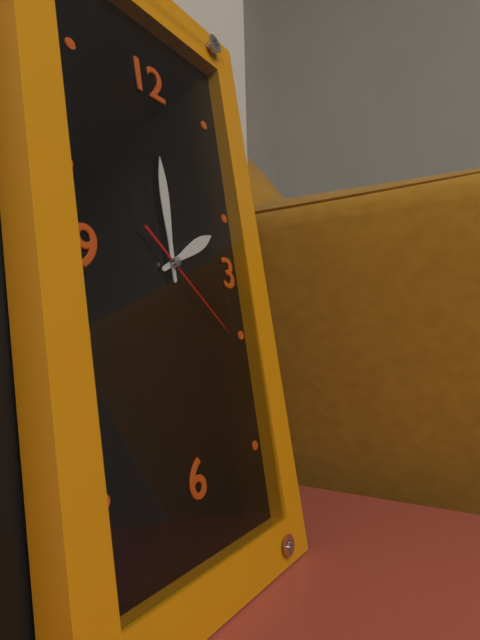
2:00:22
